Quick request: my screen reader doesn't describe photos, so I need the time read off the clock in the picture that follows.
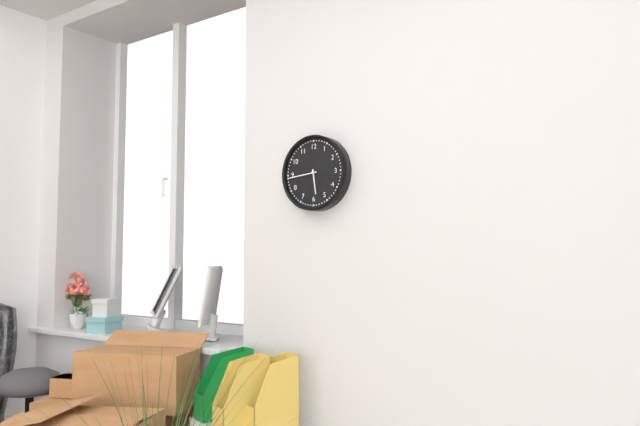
5:44
